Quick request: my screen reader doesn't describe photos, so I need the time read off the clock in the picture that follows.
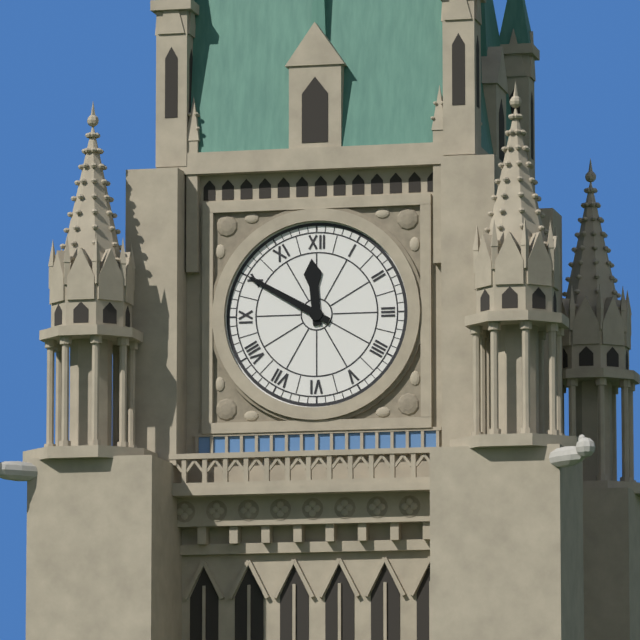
11:50
